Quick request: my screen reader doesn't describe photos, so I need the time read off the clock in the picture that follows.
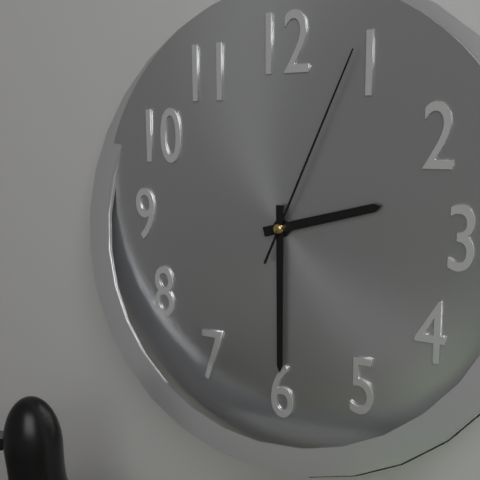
2:30:04
